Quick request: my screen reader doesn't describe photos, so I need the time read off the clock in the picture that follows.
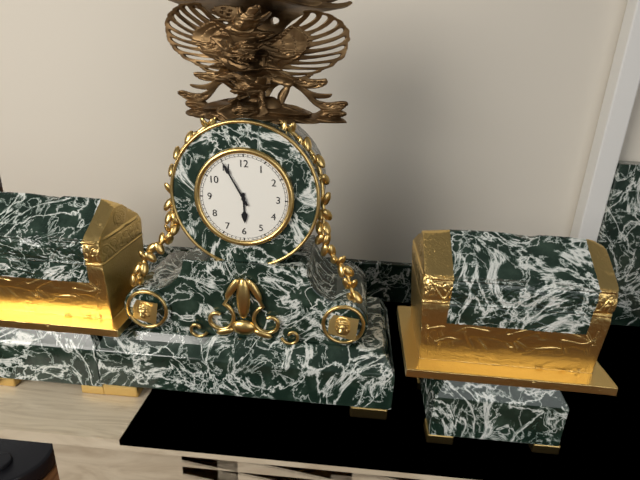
5:55
